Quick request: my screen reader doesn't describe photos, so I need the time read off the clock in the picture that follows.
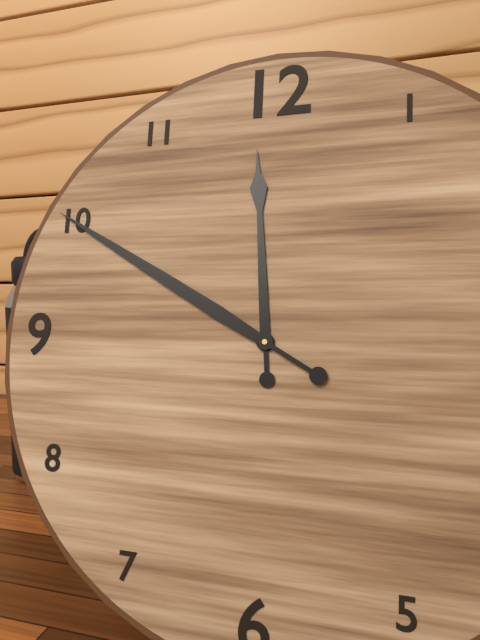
11:50
